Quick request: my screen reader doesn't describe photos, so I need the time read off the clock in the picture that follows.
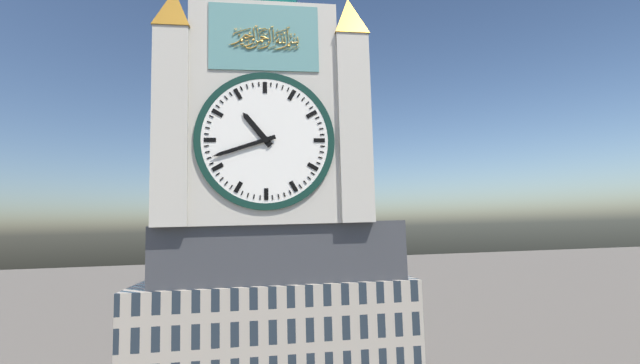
10:42
